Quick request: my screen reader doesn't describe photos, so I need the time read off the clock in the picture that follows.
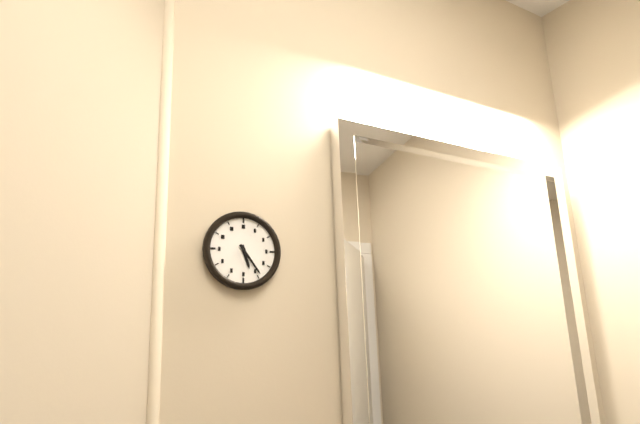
5:24
